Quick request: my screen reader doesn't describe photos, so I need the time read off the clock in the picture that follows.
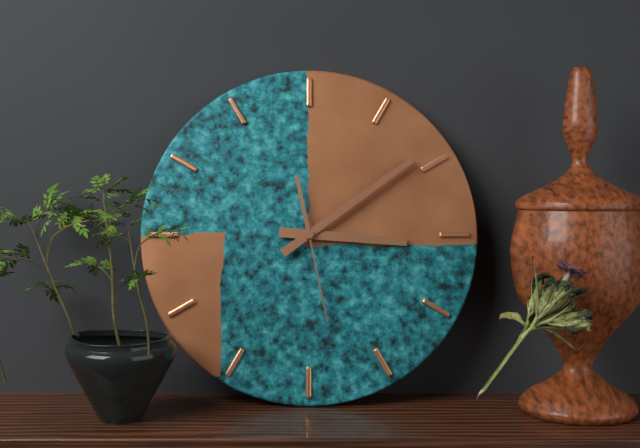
3:09:28
